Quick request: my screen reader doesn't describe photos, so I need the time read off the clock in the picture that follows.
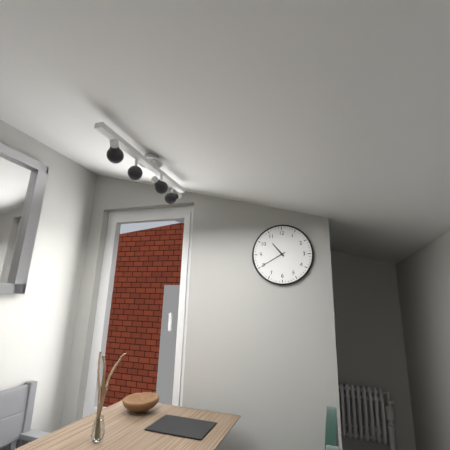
10:40
